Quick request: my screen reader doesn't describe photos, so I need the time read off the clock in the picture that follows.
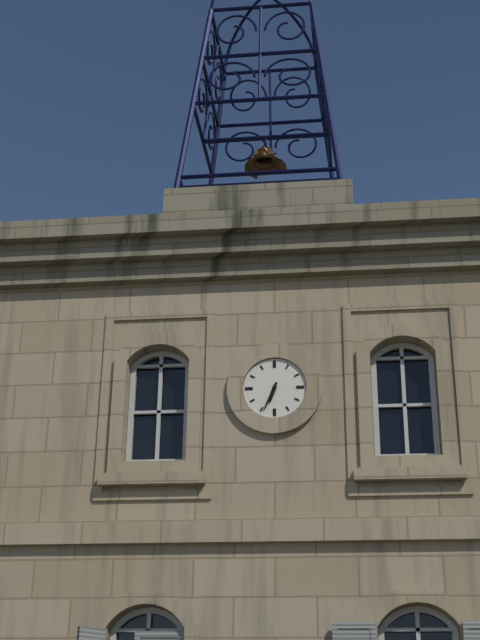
6:34
